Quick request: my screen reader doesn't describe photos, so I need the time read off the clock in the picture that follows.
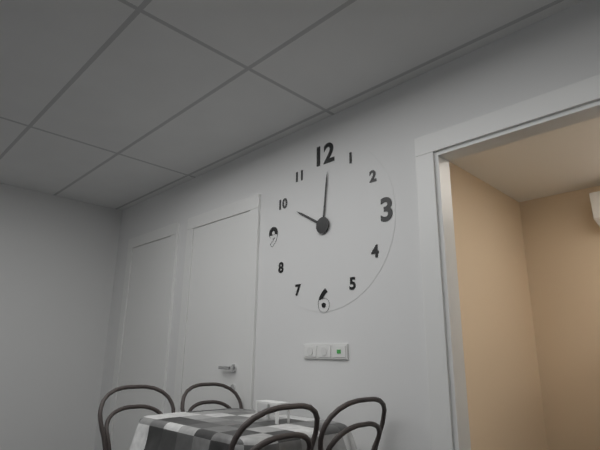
10:01
